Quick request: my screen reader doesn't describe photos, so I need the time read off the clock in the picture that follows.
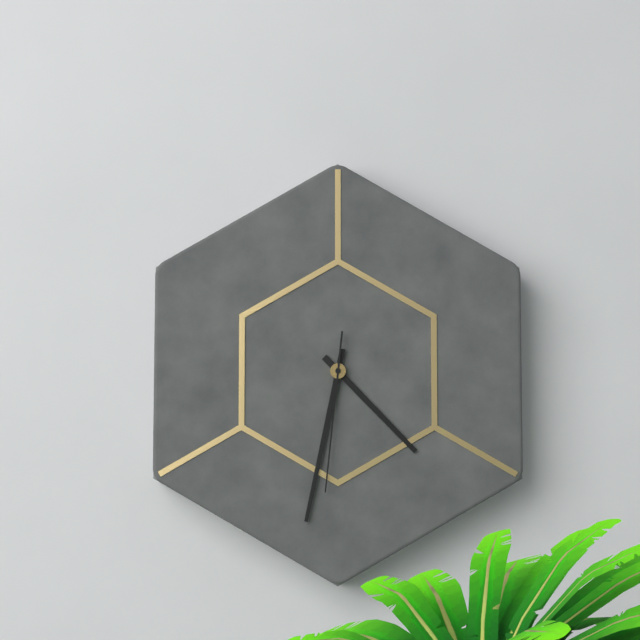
4:32:31
